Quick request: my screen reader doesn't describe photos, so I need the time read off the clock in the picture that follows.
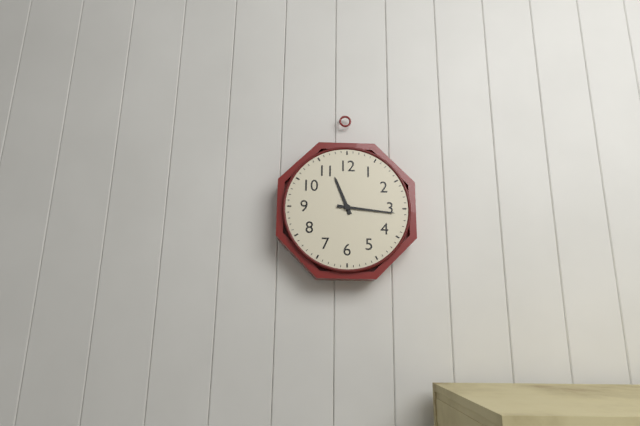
11:16
